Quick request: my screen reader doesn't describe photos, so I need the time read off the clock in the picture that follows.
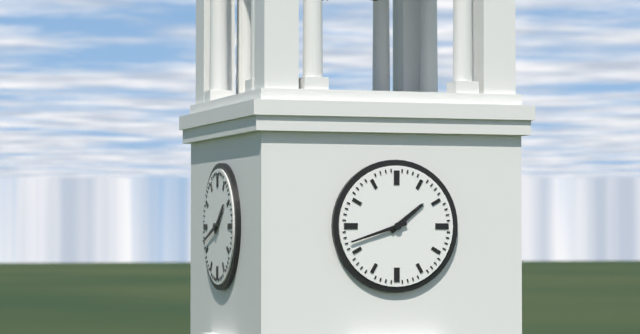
1:42
